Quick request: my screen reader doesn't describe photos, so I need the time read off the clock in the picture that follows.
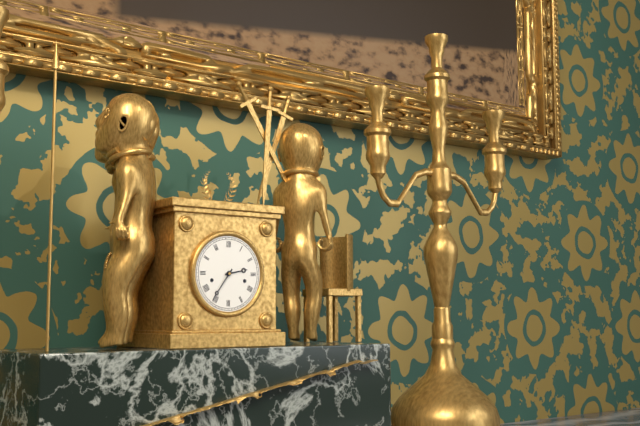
2:36
